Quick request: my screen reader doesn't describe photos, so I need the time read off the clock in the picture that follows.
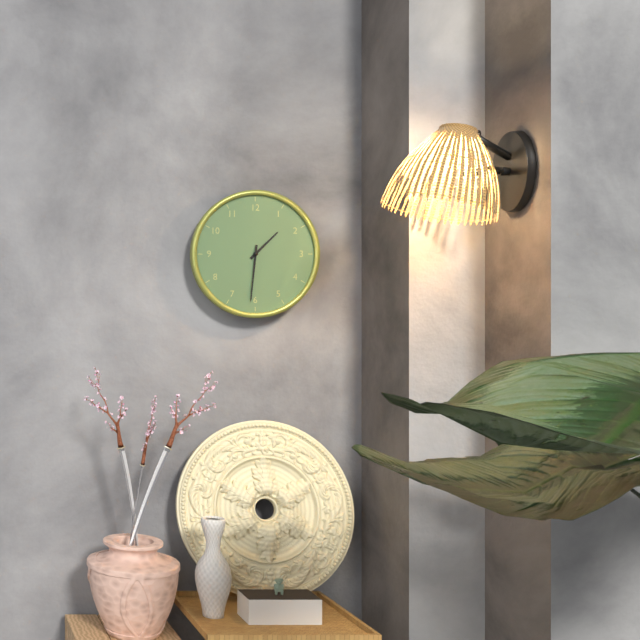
1:31
